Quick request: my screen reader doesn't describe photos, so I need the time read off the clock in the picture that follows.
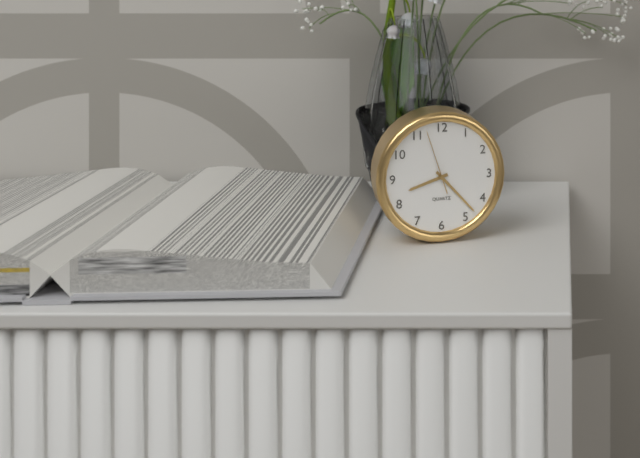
8:23:57
